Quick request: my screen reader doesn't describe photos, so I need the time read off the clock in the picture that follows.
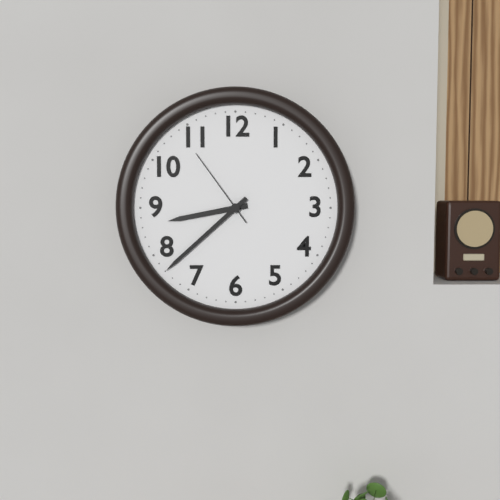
8:38:54
